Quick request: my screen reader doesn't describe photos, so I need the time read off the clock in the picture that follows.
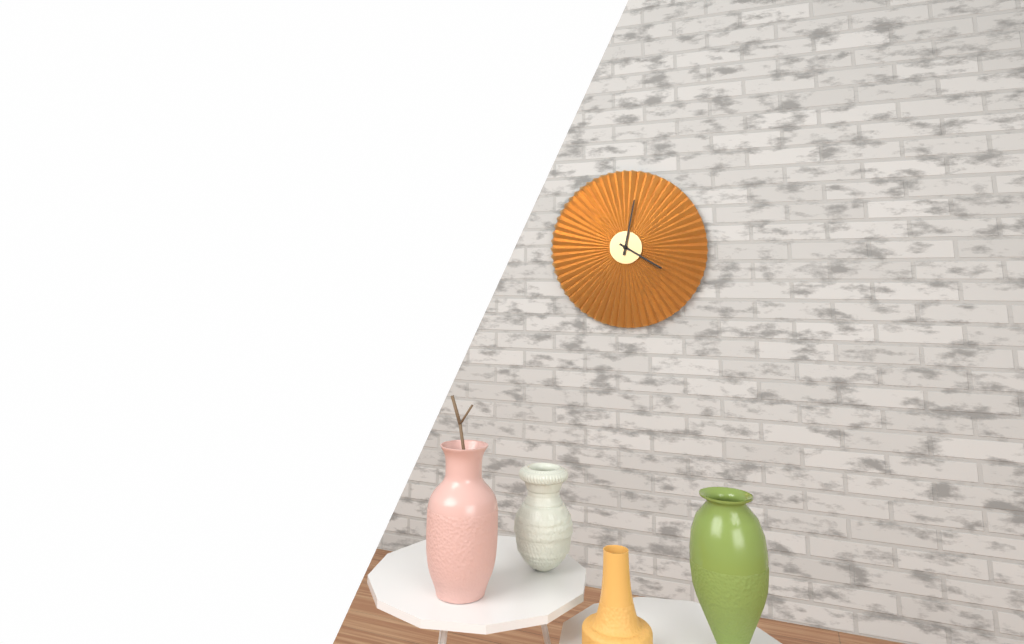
4:02
